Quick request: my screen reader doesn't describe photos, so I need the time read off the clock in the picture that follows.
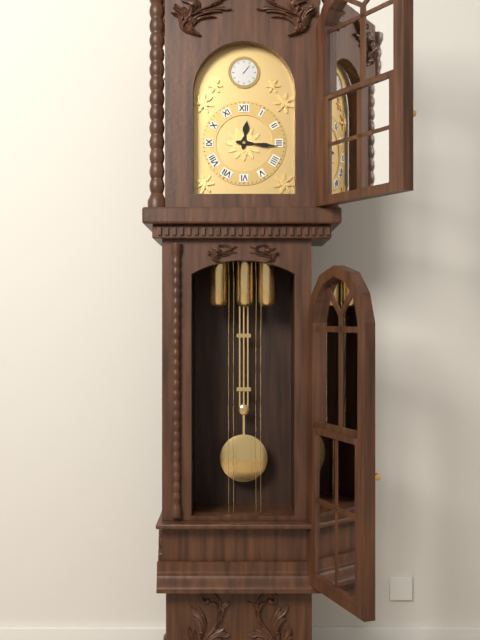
12:16
